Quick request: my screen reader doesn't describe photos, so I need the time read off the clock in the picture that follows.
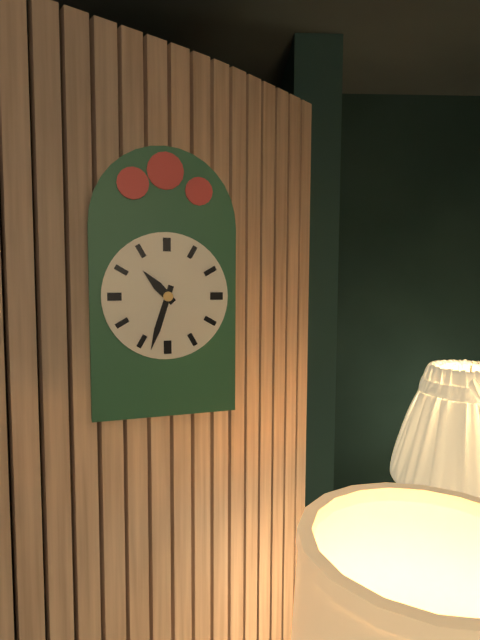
10:33
